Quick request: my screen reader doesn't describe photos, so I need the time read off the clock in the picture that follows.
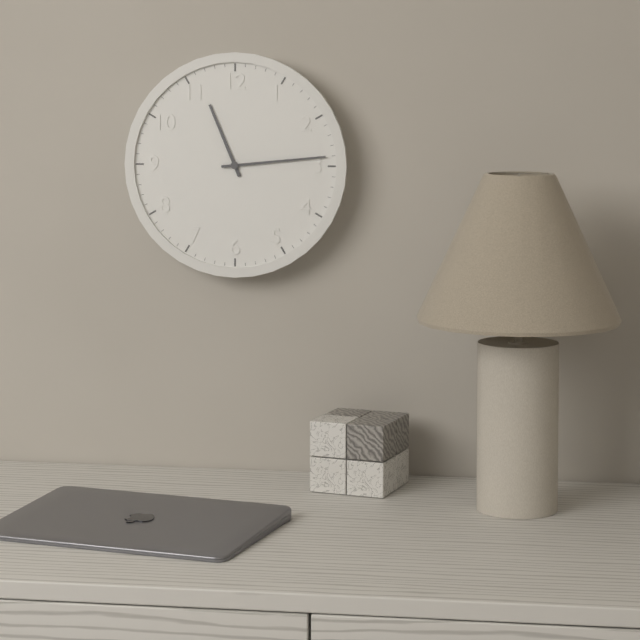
11:14
